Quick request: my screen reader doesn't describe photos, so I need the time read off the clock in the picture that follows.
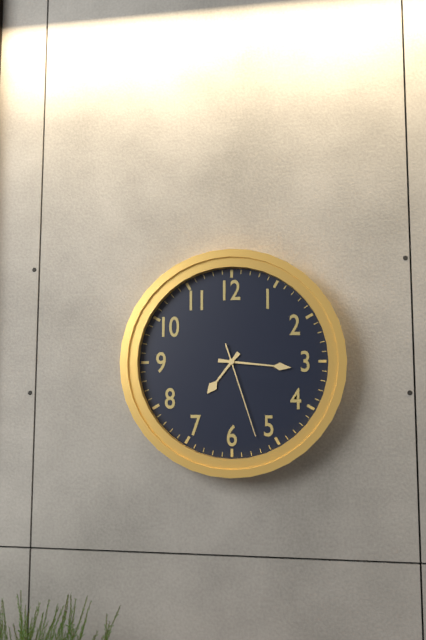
7:16:27
